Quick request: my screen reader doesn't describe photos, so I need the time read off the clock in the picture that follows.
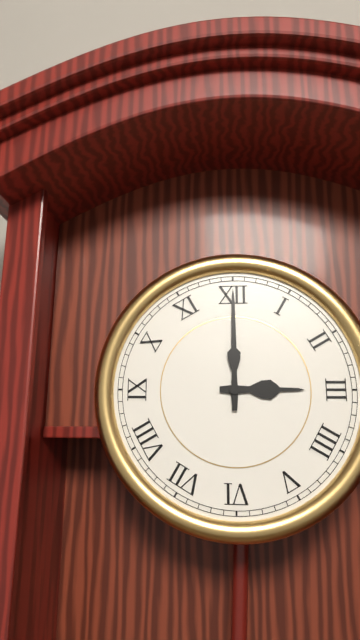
3:00
